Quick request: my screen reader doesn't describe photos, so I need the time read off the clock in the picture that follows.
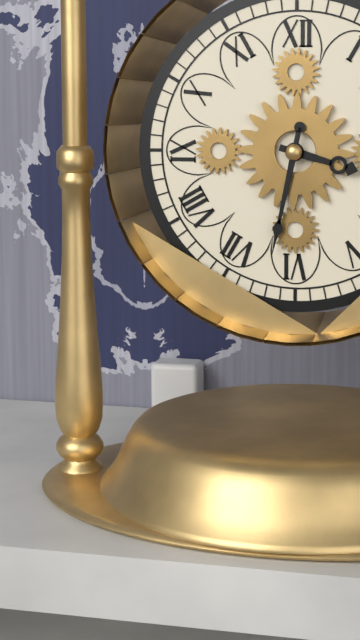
3:32
